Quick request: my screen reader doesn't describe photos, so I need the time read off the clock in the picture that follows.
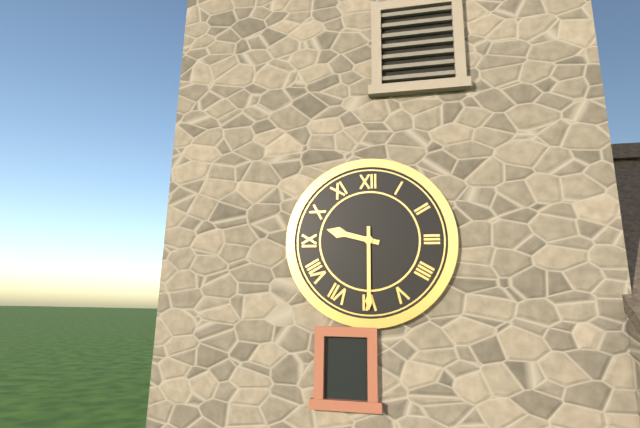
9:30
